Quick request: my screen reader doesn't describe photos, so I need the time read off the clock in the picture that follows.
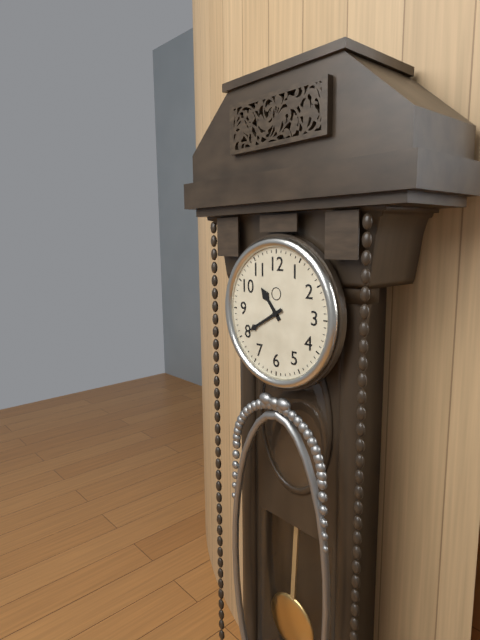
10:40
